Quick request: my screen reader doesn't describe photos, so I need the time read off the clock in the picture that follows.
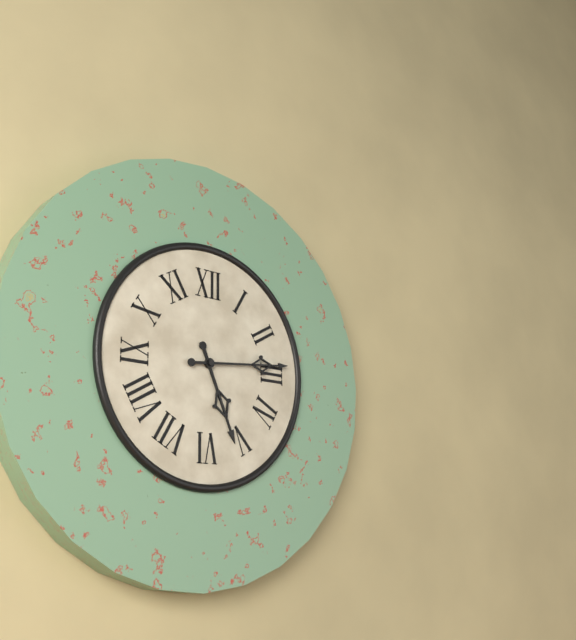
5:14
